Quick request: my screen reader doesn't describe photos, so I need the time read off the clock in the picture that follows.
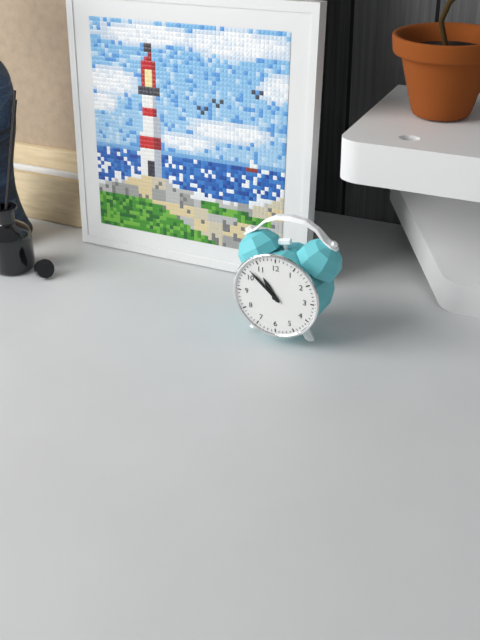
10:52
